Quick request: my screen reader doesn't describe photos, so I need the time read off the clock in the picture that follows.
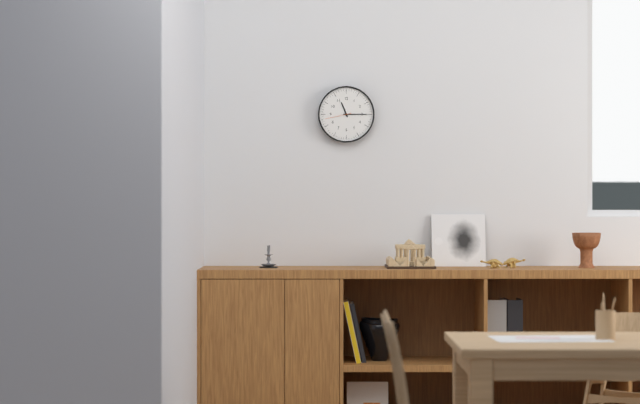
11:15
